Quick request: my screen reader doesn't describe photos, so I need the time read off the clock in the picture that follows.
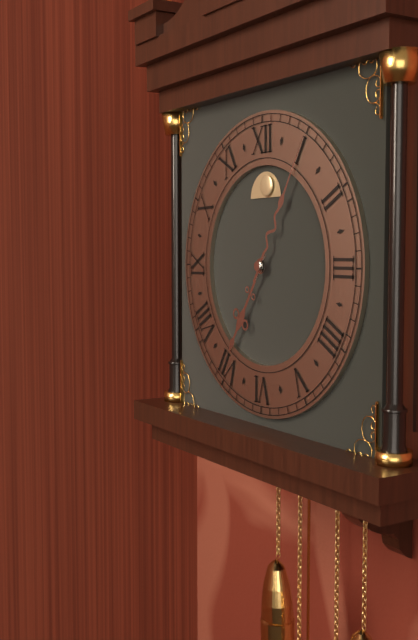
7:05
